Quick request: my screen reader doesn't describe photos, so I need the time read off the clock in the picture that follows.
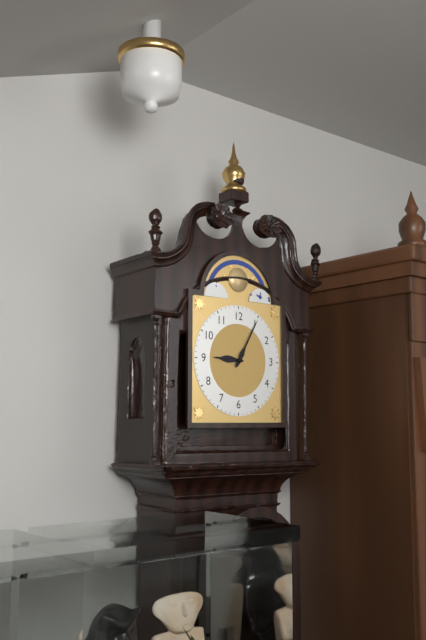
9:05
